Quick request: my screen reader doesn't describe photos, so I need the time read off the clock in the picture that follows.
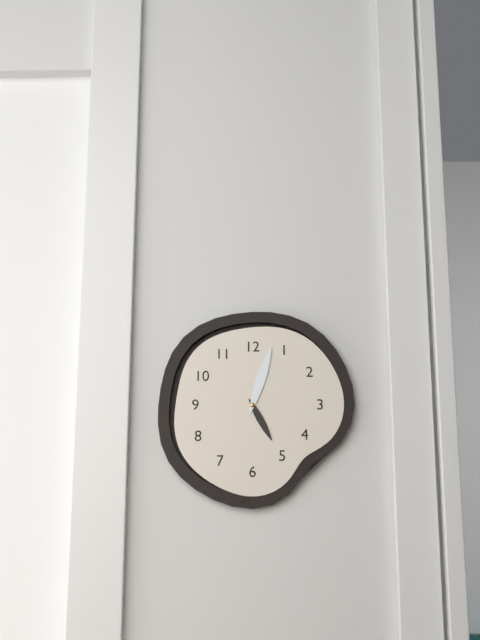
5:03
